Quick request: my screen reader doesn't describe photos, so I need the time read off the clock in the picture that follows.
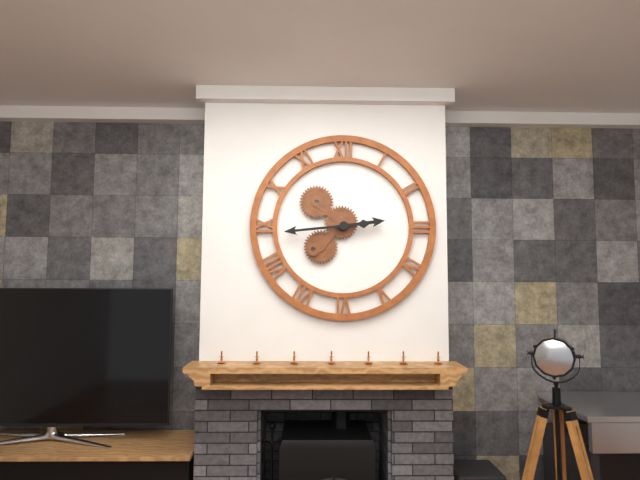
2:44
